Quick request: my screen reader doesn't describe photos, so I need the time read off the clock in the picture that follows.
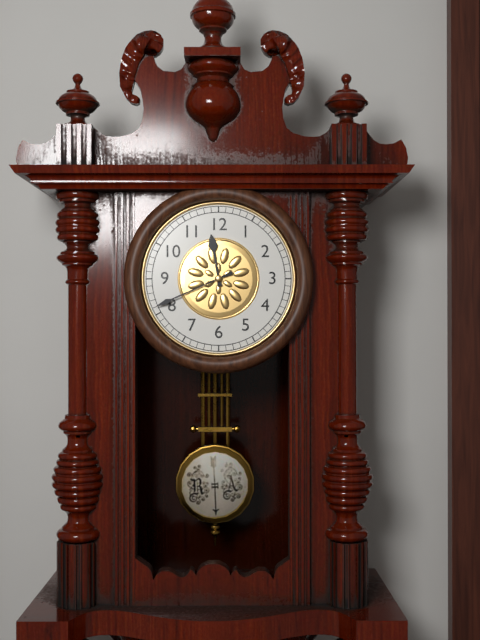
11:41
